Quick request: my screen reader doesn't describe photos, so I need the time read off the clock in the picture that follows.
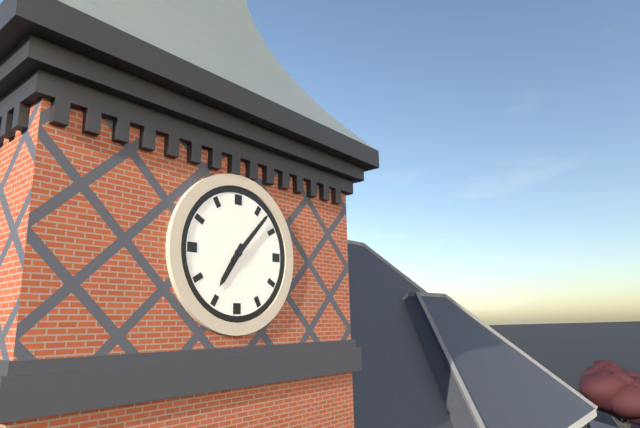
7:07
